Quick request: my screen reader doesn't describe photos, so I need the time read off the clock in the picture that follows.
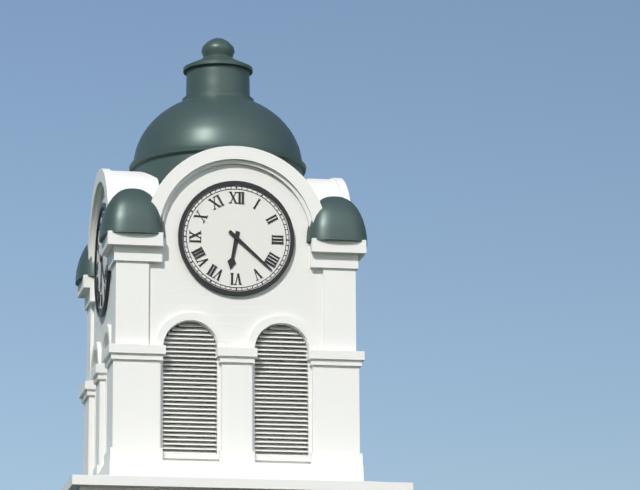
6:22
